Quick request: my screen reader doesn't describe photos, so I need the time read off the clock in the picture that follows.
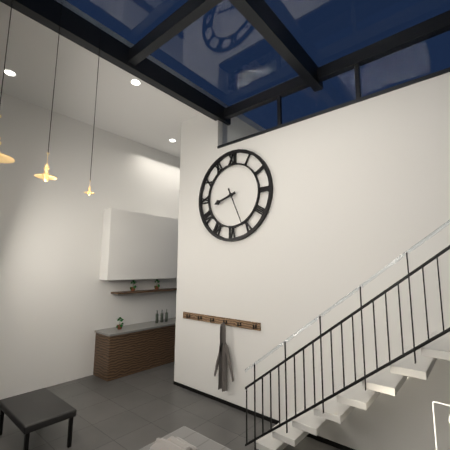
8:26
